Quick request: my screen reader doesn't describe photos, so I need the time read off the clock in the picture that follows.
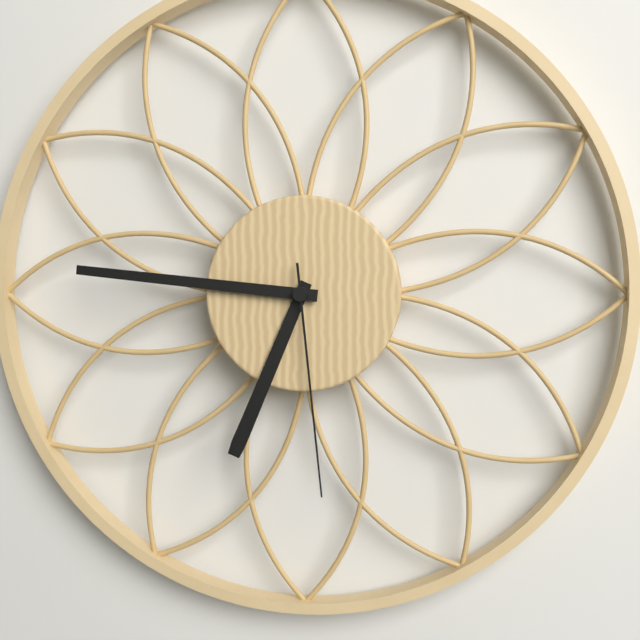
6:46:29
